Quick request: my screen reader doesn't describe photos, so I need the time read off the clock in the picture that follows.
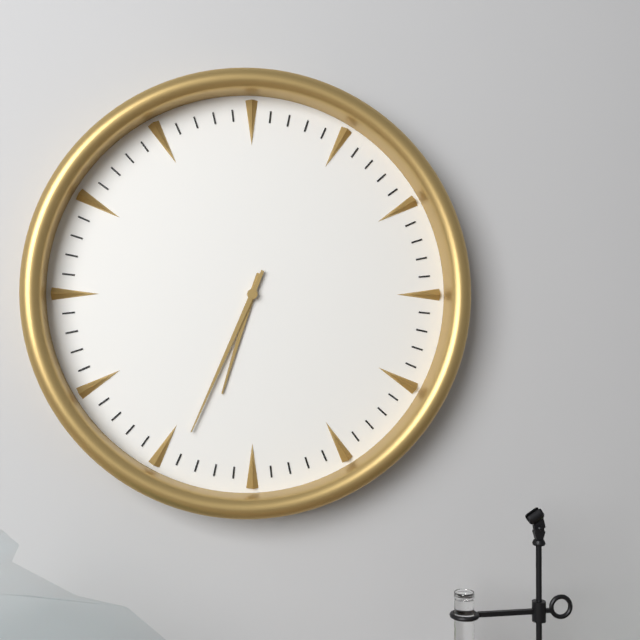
6:34
